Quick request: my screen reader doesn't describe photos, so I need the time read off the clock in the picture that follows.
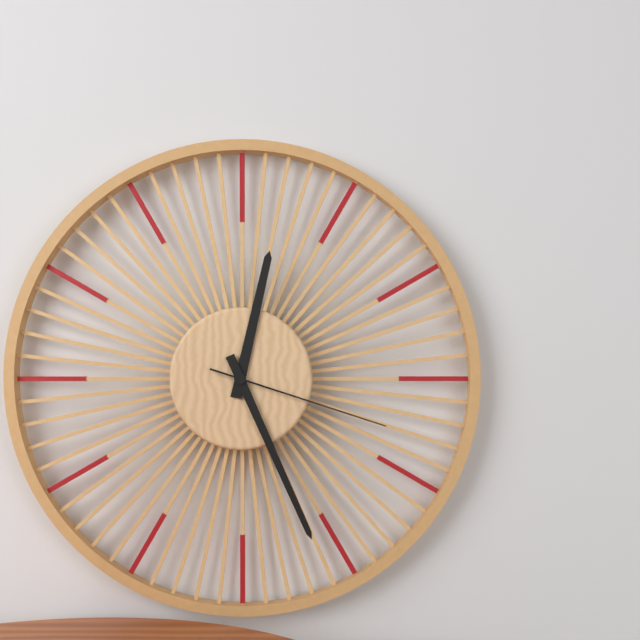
12:26:18
